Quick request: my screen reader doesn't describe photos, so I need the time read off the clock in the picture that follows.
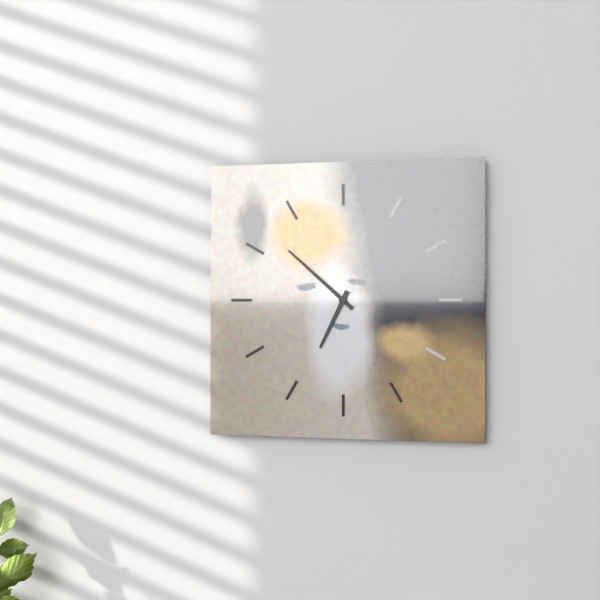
6:52
